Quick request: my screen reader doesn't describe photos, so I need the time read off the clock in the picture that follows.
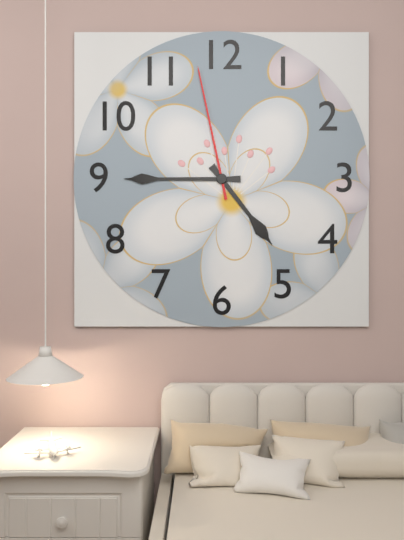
4:45:58
